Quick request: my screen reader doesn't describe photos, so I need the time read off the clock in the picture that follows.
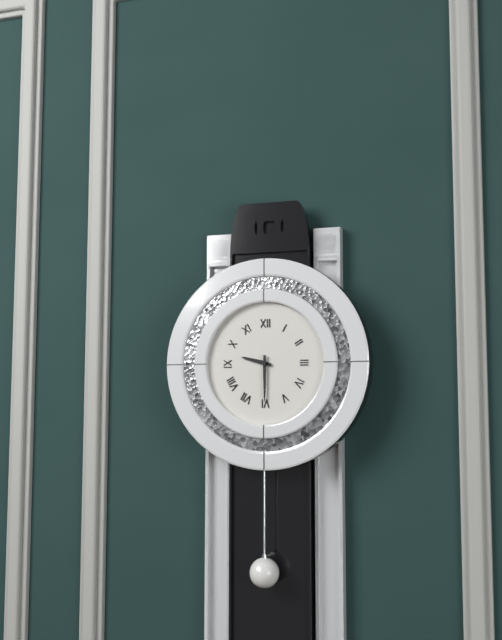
9:30
